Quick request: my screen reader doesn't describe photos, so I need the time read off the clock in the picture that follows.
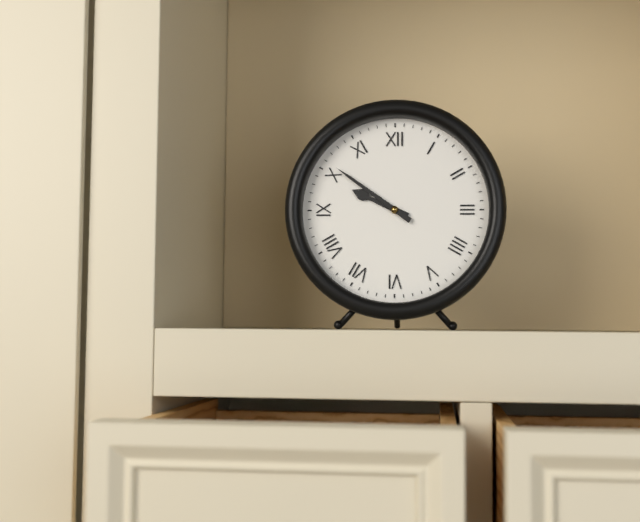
9:51
